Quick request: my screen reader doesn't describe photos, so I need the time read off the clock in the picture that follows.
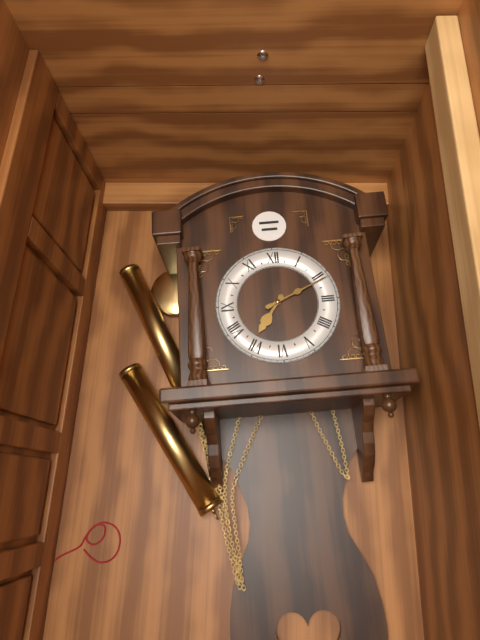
7:11
